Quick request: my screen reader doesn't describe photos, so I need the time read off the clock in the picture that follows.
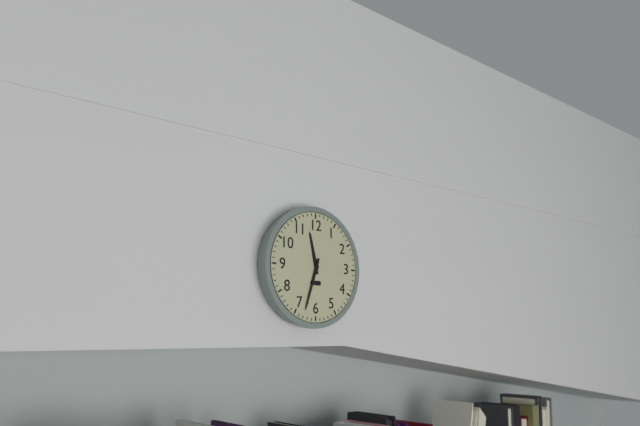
11:33
